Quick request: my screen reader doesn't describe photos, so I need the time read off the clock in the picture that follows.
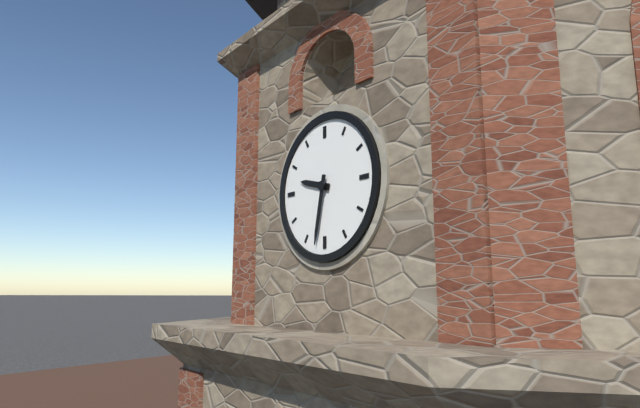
9:32
